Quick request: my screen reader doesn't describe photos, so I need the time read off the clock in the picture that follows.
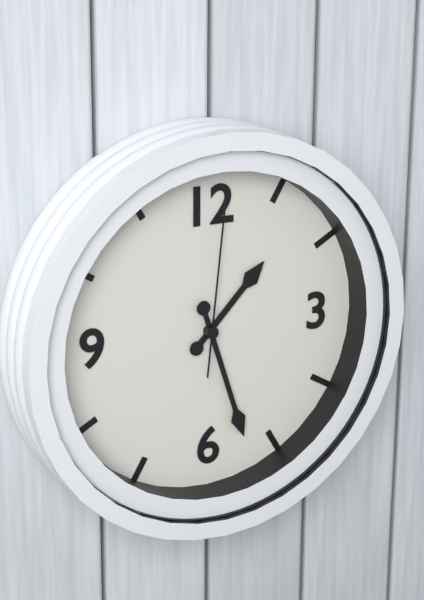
1:27:01
